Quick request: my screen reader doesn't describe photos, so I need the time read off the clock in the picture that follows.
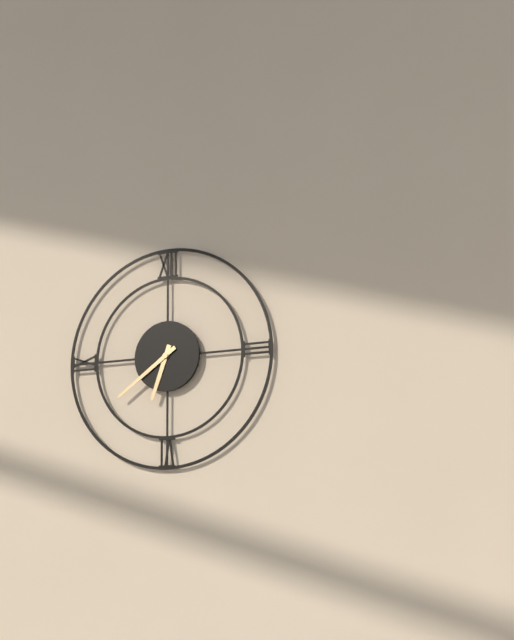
6:39
